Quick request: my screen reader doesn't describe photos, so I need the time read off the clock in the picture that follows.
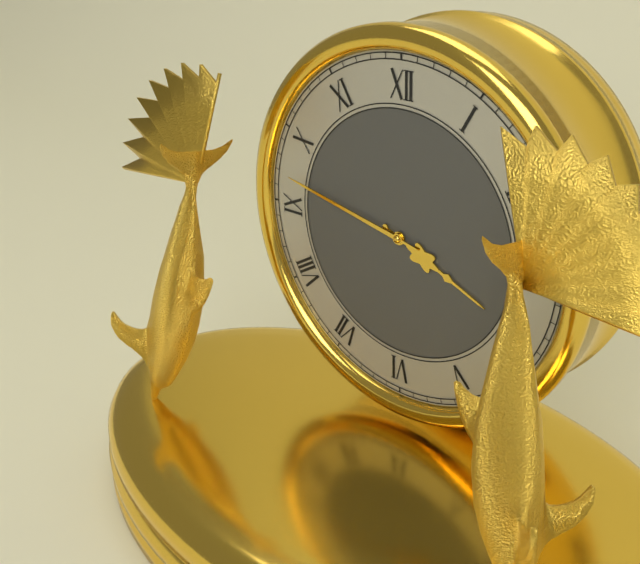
3:47
